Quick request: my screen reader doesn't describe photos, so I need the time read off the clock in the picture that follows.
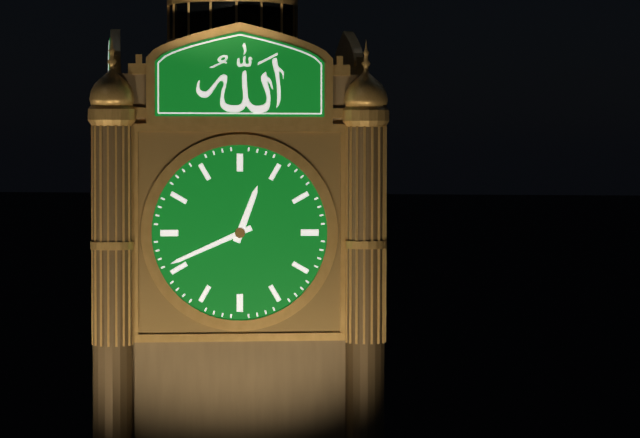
12:41
